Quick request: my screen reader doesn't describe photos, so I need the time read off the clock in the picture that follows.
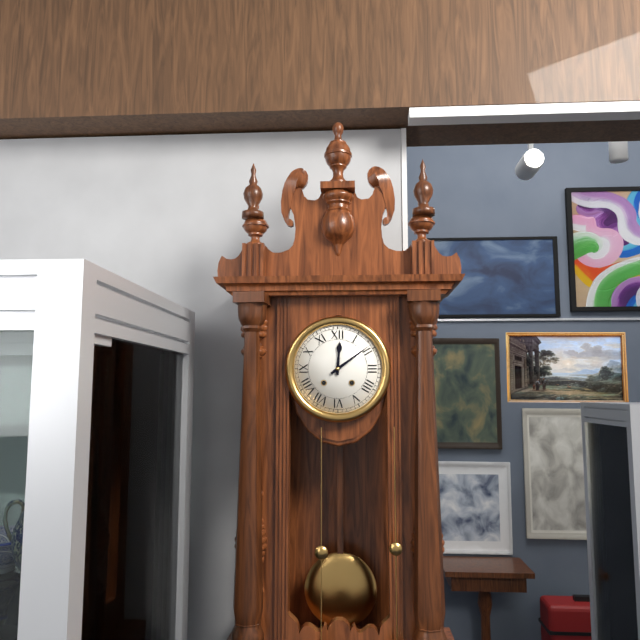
12:09
